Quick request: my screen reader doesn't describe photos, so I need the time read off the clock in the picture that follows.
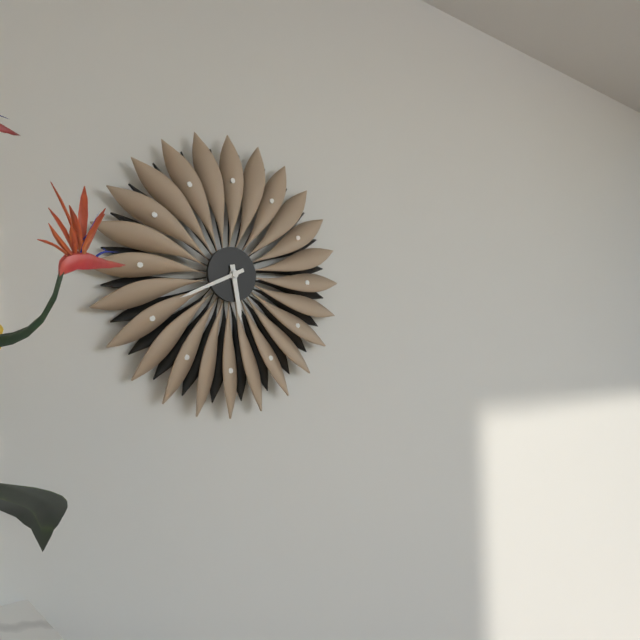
5:41
